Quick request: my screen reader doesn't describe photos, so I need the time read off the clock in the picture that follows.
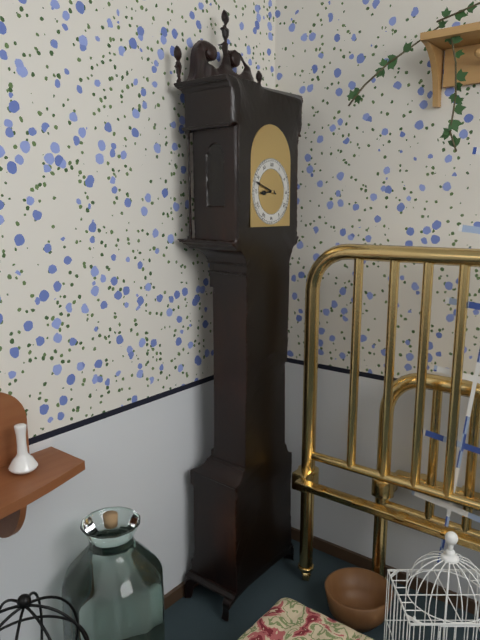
8:48
